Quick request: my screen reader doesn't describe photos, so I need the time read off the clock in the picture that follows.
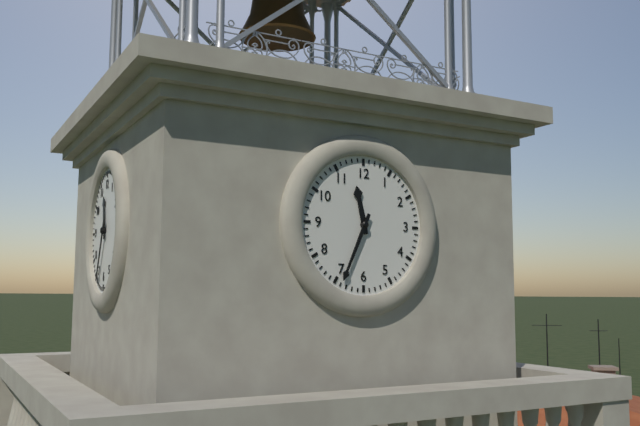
11:34
